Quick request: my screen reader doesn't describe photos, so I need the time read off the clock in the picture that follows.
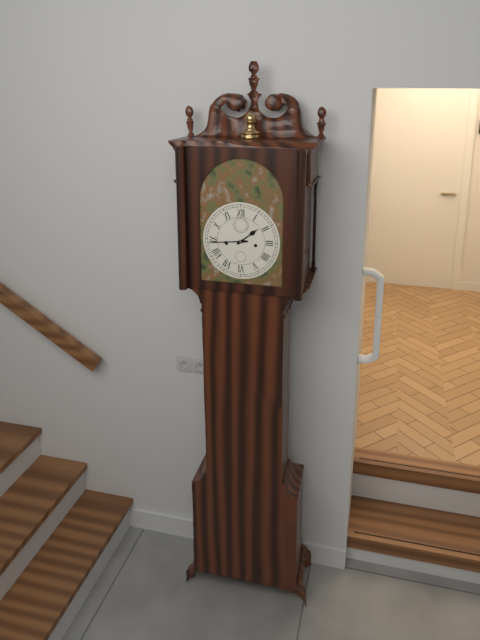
1:44
